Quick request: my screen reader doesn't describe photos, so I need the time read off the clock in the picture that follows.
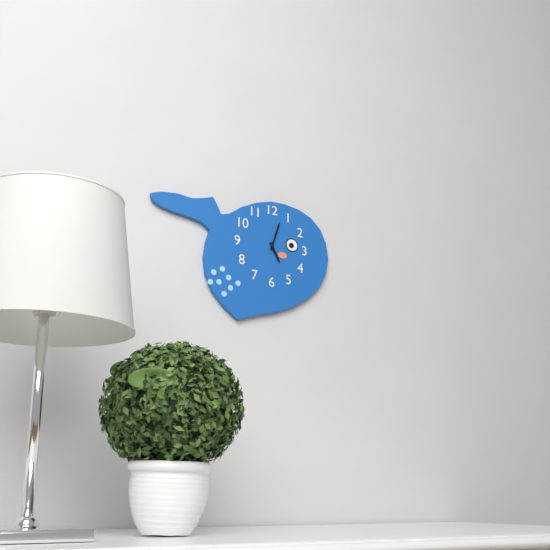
5:03
